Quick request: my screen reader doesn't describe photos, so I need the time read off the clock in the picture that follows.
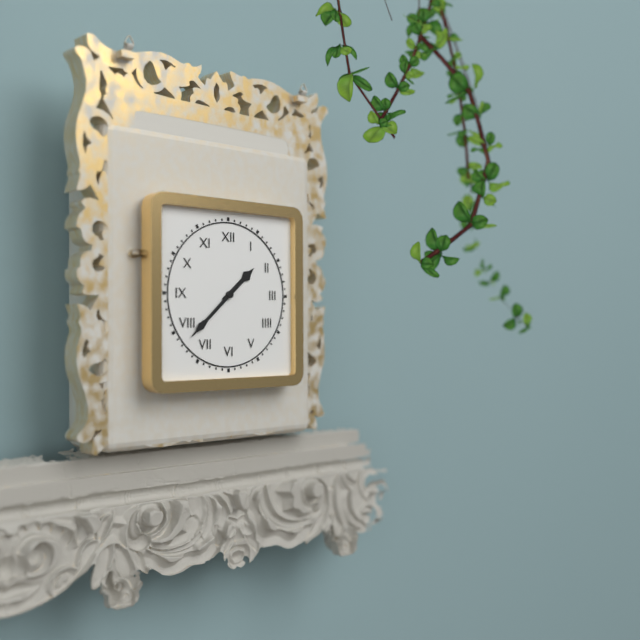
1:38
